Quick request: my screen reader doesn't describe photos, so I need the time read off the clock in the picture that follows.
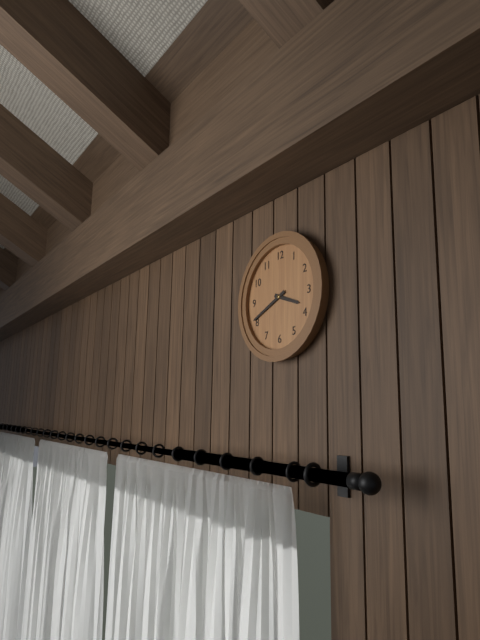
3:41
